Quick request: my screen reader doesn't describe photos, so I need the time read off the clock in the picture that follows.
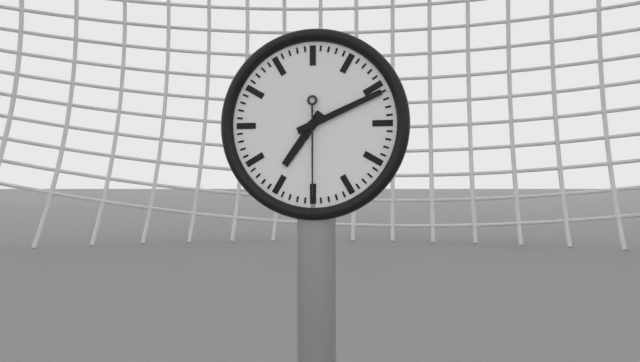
7:11:30
